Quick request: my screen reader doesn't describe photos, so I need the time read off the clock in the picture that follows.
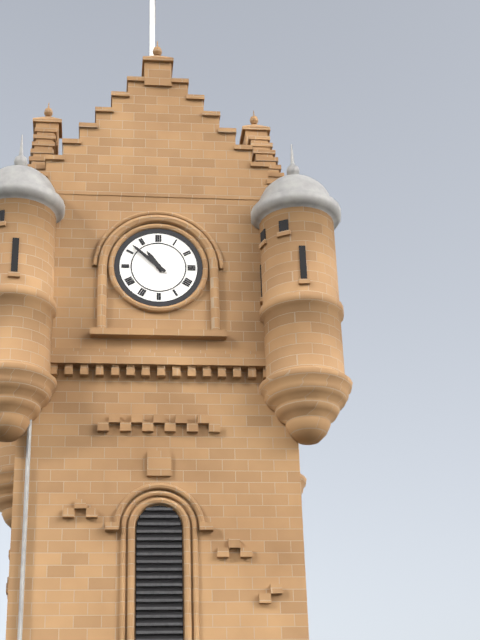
10:52
